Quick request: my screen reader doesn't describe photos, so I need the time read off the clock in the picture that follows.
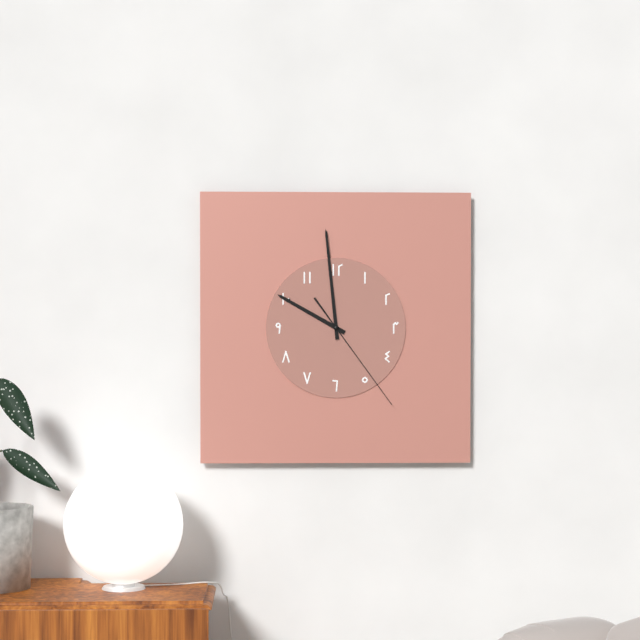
9:59:24
